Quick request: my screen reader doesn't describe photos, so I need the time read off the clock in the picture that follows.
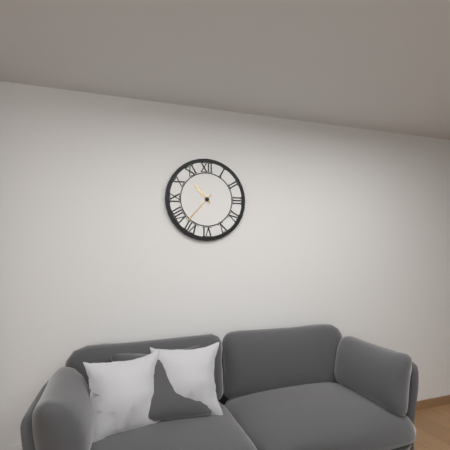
10:37
